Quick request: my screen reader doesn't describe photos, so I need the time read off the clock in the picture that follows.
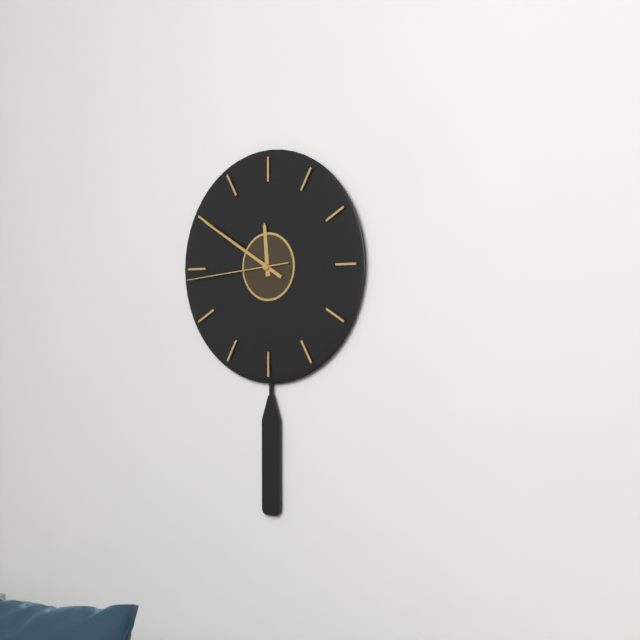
11:50:44
